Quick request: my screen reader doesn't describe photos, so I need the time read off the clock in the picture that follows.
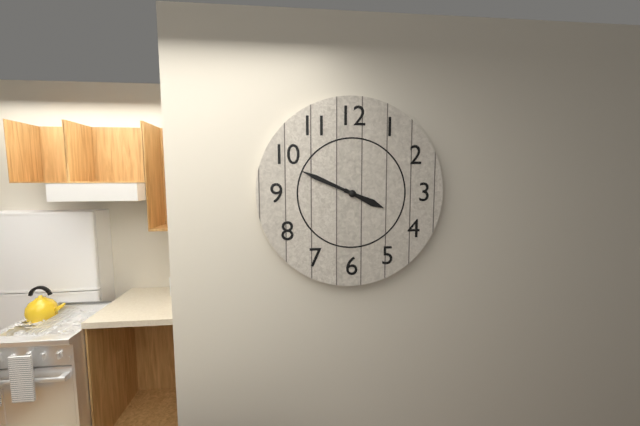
3:49
